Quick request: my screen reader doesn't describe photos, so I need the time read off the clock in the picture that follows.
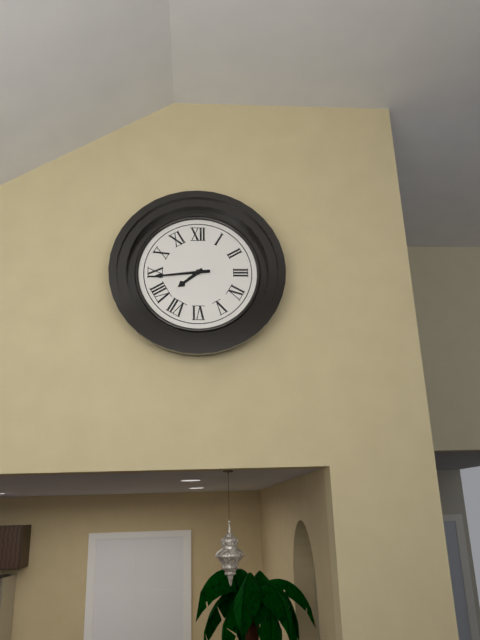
7:44
